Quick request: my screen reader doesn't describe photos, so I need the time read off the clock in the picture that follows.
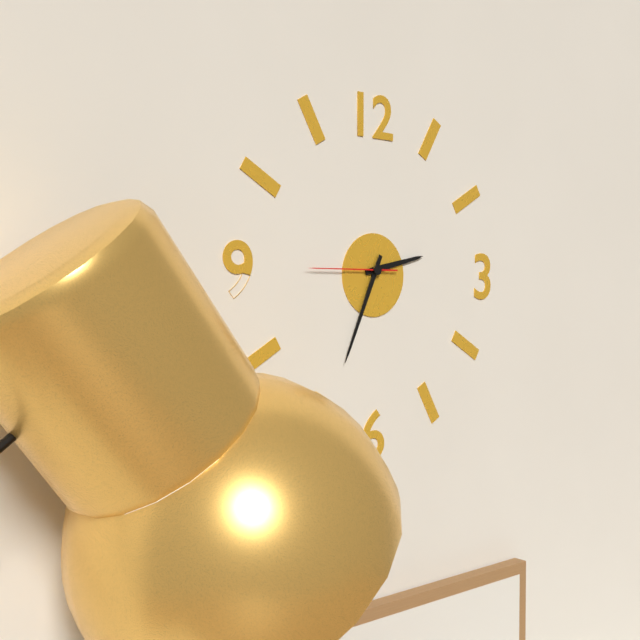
2:34:45
